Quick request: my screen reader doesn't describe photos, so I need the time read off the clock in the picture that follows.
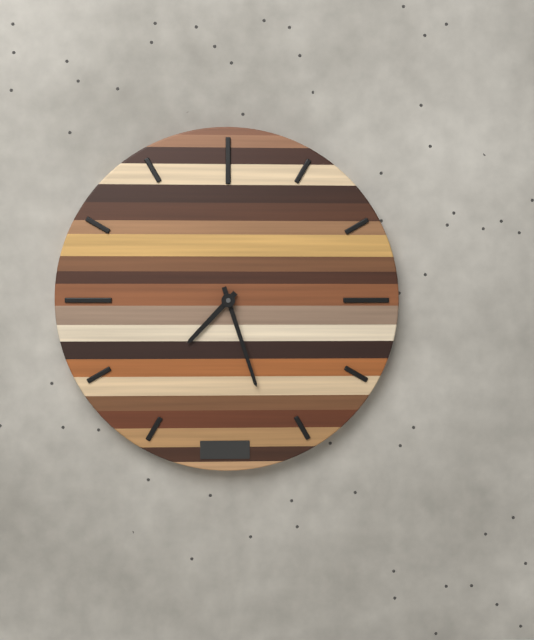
7:27
